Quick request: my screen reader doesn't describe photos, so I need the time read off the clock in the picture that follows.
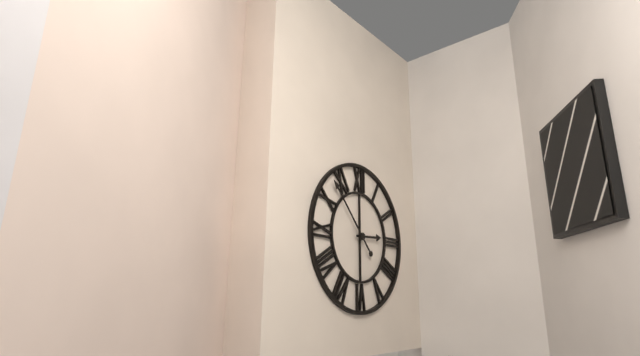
2:53
